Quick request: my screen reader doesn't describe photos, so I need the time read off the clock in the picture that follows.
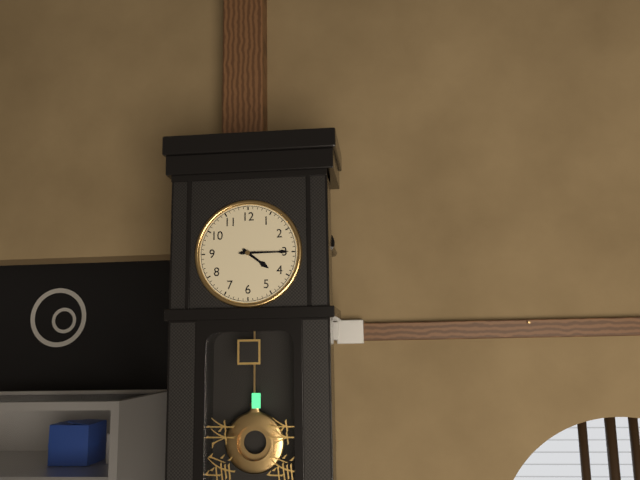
4:15
